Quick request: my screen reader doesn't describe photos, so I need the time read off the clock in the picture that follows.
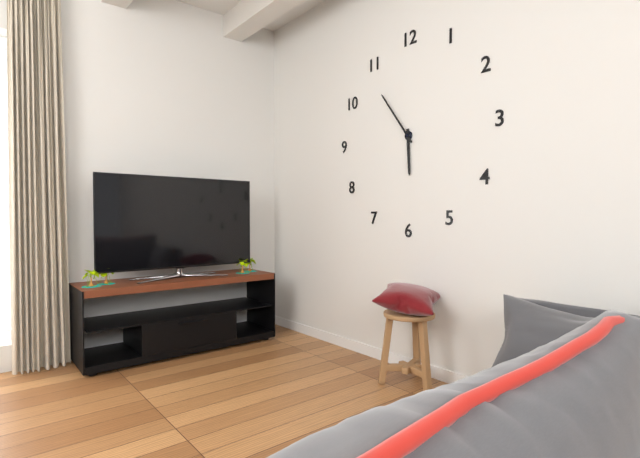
5:54
